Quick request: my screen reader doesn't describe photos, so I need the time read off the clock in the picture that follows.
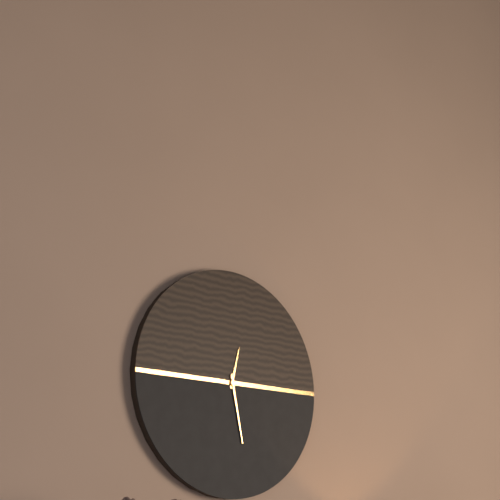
12:28
